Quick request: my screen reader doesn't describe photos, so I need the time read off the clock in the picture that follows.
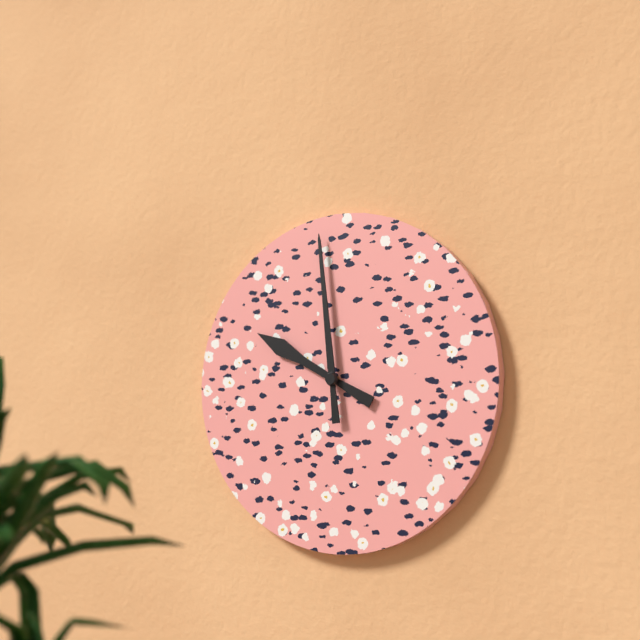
9:59
